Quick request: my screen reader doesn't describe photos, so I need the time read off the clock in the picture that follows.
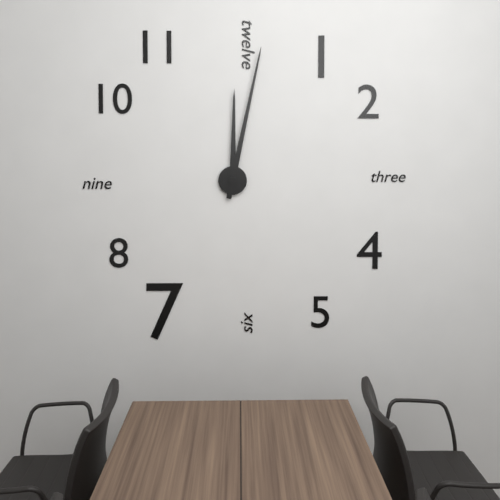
12:02
